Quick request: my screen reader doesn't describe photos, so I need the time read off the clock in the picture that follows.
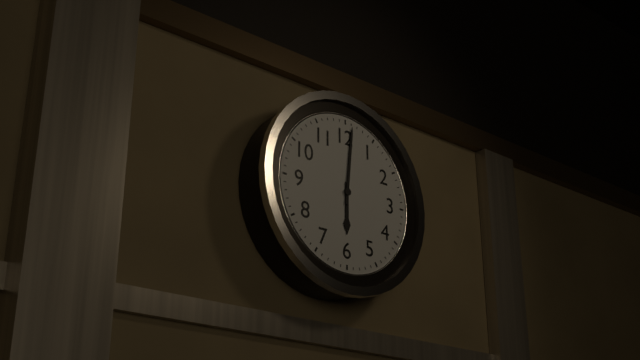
6:01
